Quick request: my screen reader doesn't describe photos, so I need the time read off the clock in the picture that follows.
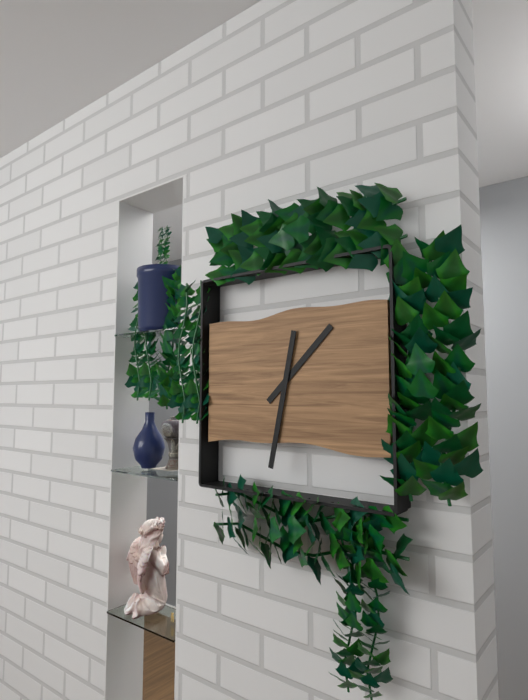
1:32
